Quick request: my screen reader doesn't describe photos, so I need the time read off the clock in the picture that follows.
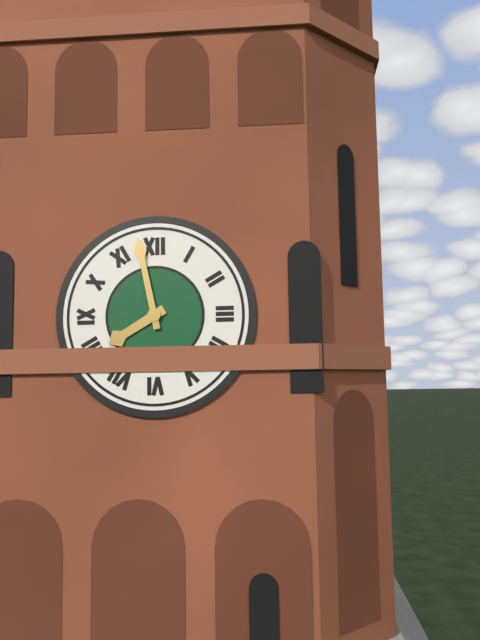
7:58
